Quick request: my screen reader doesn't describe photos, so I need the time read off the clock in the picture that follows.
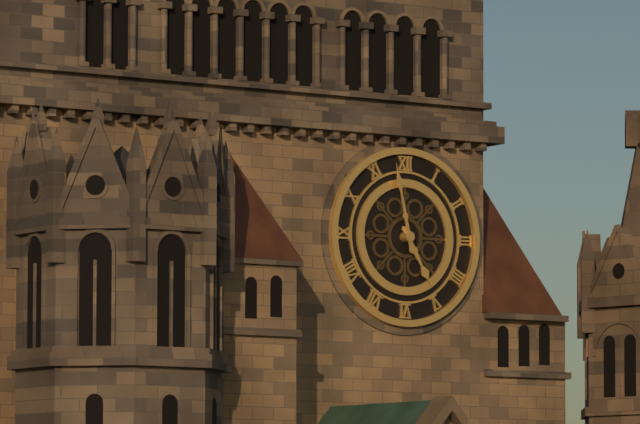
4:58
